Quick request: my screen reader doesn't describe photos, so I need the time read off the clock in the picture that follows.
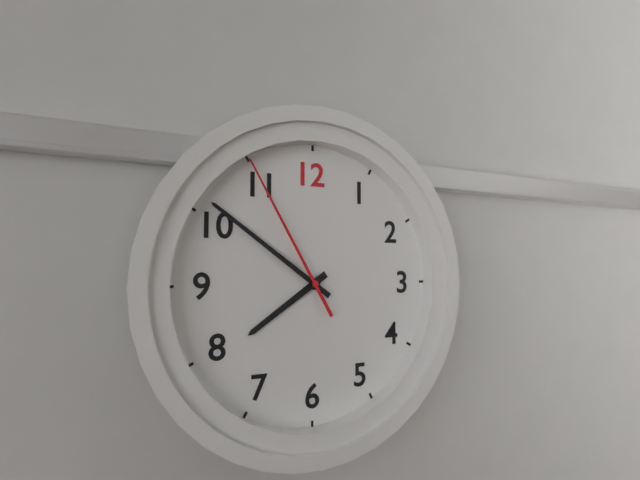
7:51:55
